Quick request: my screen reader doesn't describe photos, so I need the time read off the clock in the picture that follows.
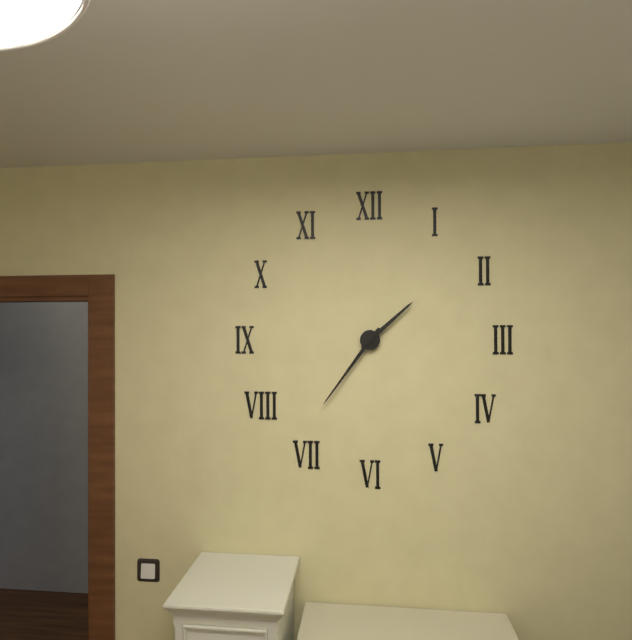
1:36
